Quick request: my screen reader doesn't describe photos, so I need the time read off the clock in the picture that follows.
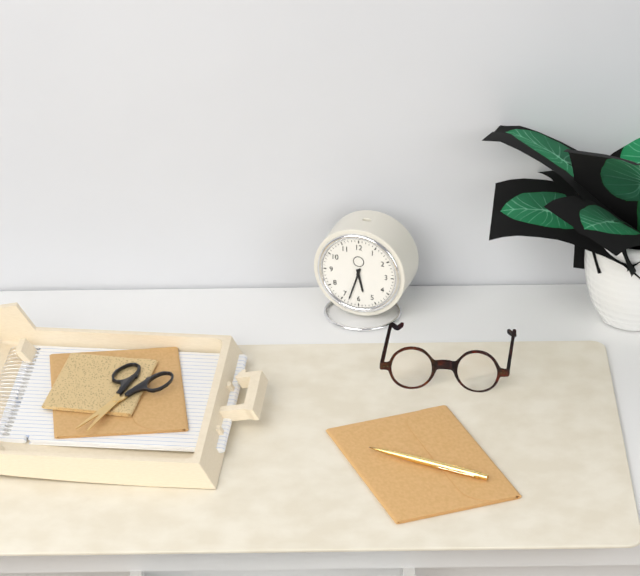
5:33
